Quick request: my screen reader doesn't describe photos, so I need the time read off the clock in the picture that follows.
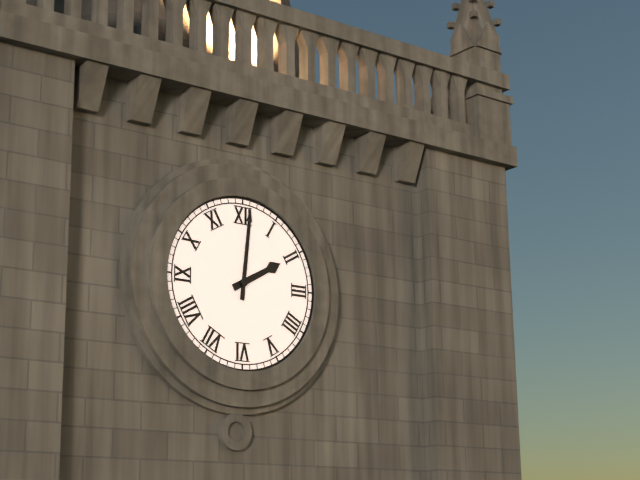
2:01
